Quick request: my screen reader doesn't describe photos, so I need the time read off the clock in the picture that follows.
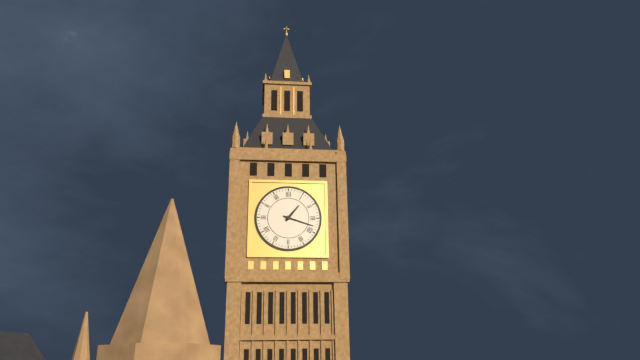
1:18
